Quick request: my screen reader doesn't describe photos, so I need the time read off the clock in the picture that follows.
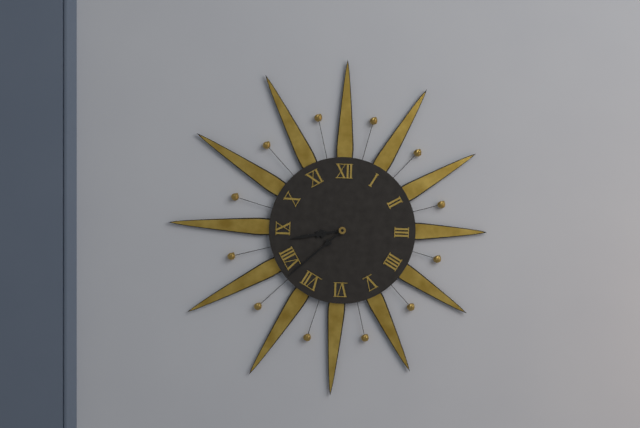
8:38
